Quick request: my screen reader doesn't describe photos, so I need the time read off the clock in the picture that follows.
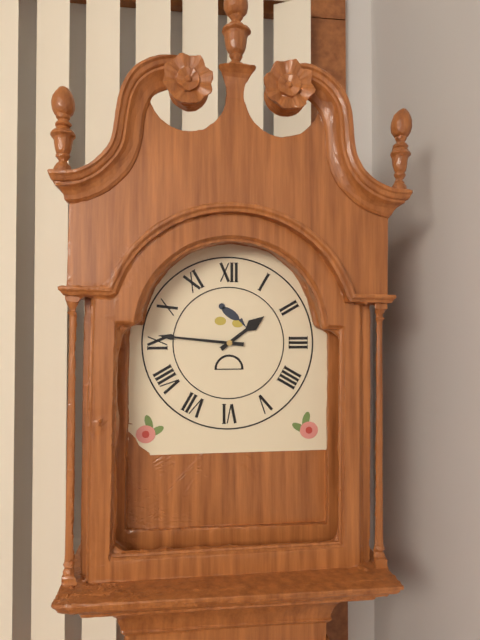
1:46
